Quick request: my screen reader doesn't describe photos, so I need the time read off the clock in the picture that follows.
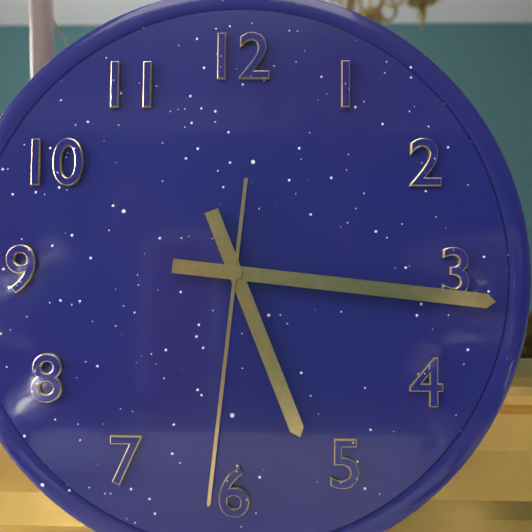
5:16:31
